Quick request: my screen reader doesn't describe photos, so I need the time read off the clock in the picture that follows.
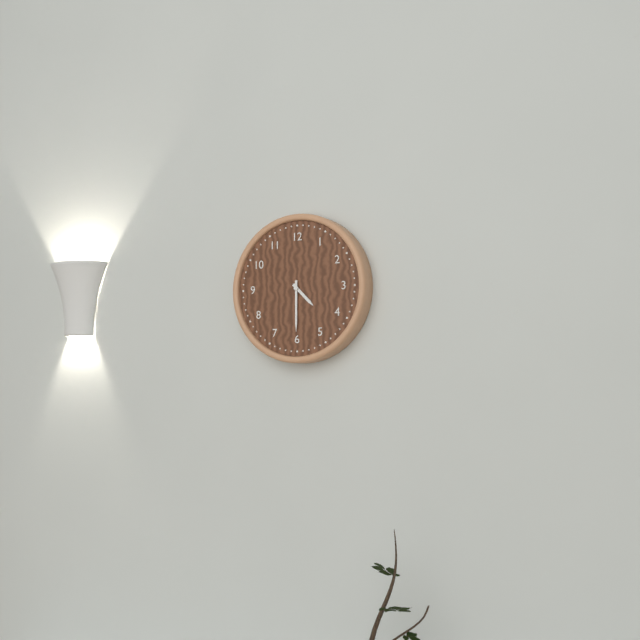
4:30
